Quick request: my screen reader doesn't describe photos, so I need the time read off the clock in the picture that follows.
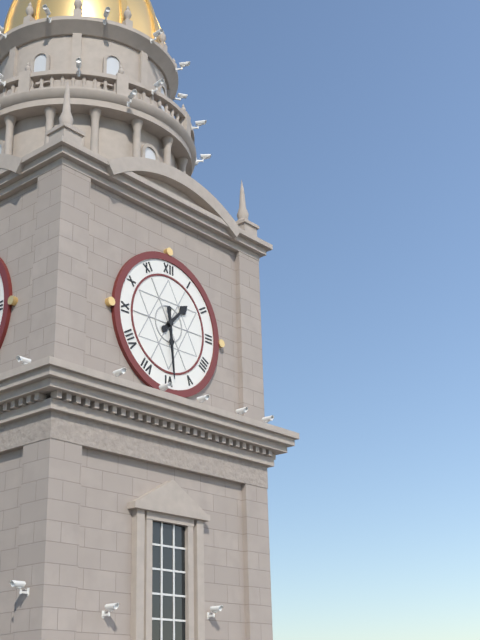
1:29
